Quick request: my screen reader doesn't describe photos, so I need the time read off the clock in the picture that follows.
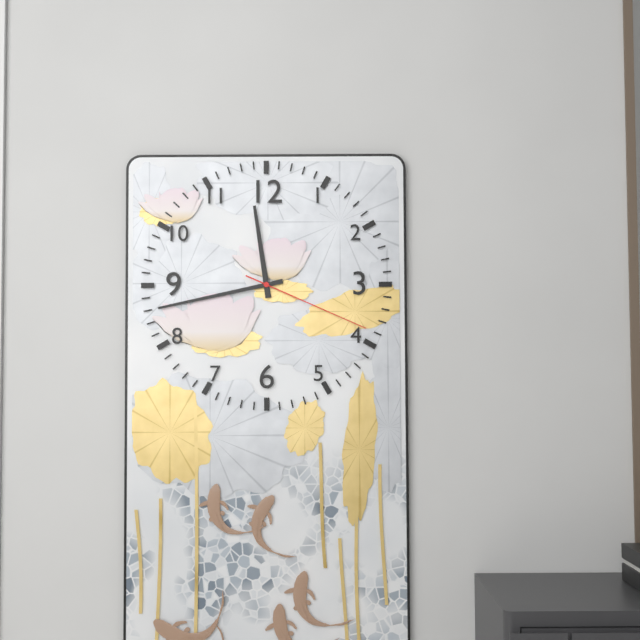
11:43:19
